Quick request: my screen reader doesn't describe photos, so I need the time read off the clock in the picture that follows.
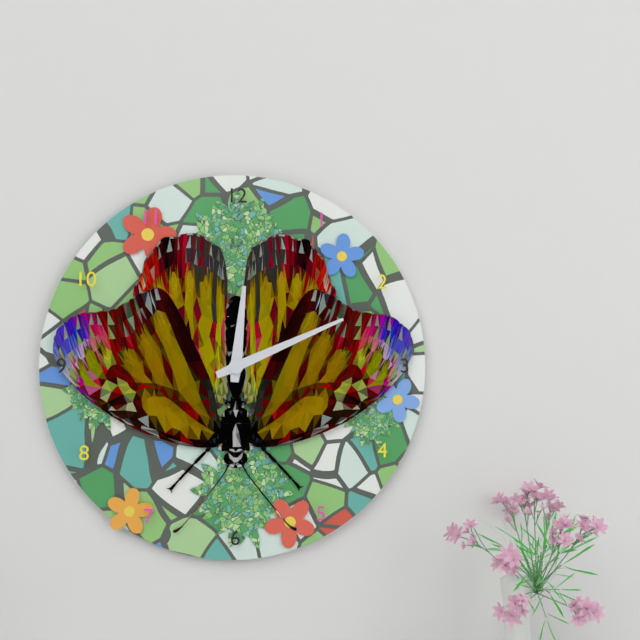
12:11
